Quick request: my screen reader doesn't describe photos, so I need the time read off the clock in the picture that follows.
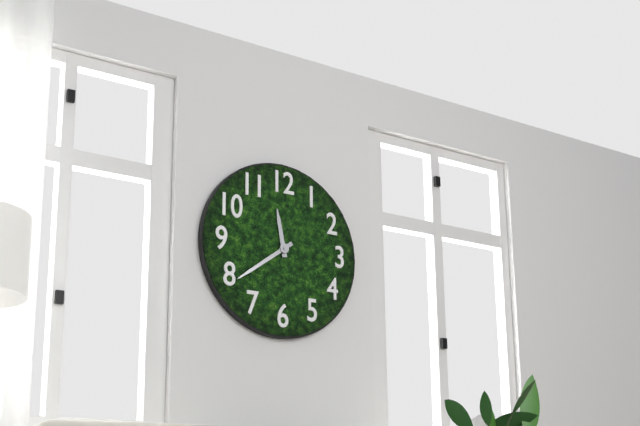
11:39
